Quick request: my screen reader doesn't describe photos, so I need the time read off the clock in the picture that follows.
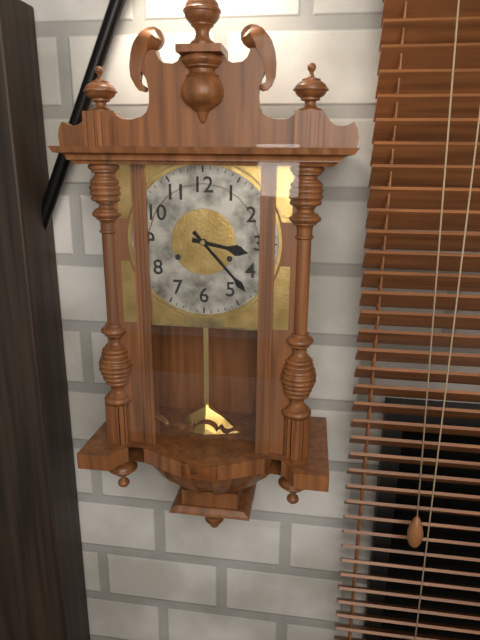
3:23
